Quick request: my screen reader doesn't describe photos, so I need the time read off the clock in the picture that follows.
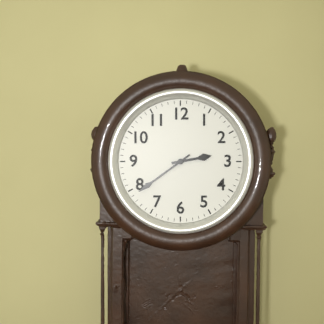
2:39
